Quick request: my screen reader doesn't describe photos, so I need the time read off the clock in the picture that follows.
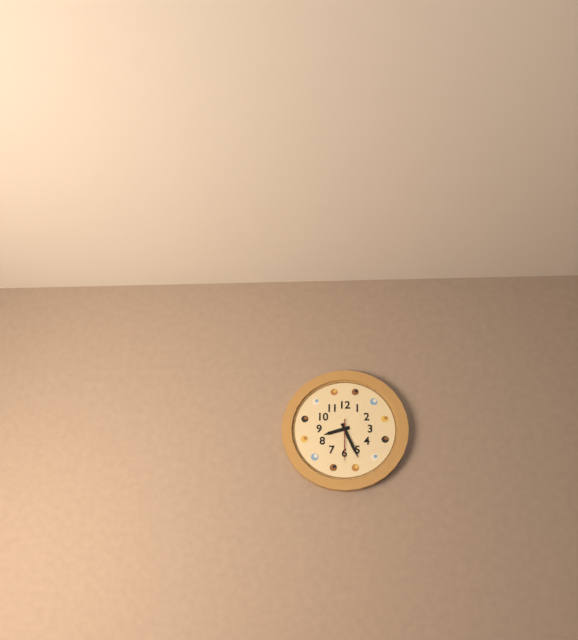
8:26
